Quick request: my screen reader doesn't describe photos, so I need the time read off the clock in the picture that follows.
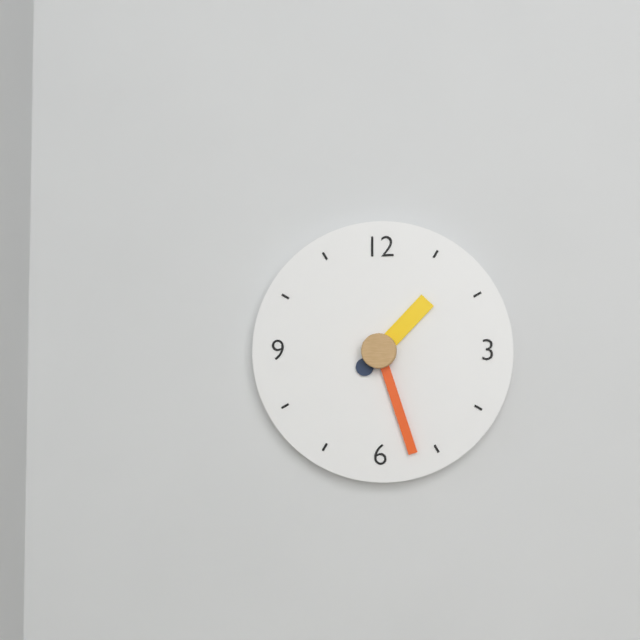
1:27
